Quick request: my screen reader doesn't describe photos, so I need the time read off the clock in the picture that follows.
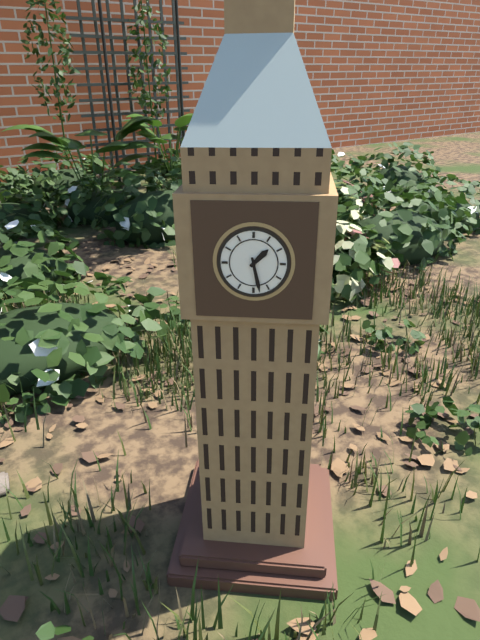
1:28
